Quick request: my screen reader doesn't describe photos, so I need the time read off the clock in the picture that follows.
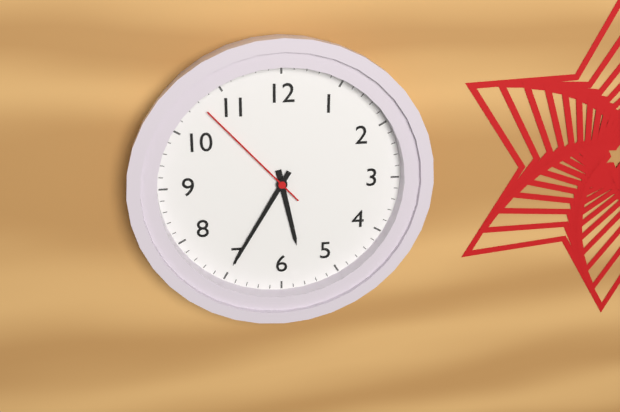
5:35:53
